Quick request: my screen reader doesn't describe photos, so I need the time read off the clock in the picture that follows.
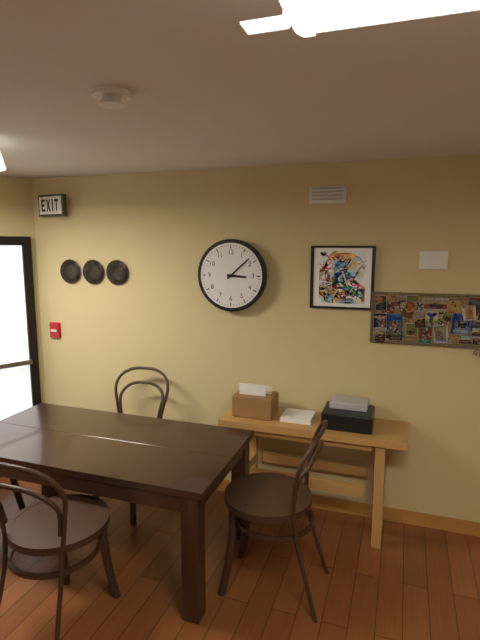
3:08
